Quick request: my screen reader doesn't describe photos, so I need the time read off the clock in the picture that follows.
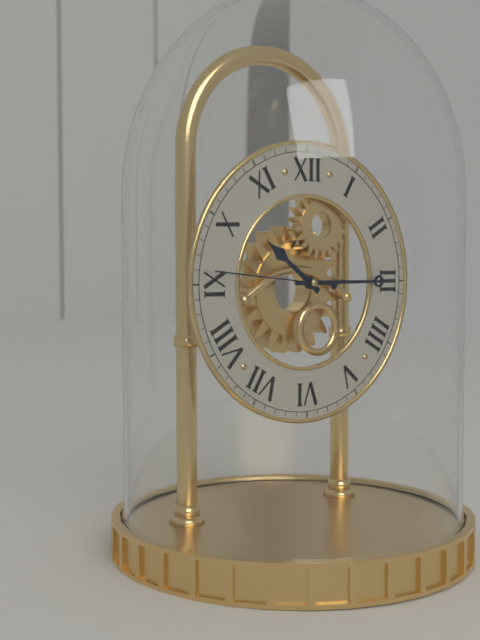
10:15:46
